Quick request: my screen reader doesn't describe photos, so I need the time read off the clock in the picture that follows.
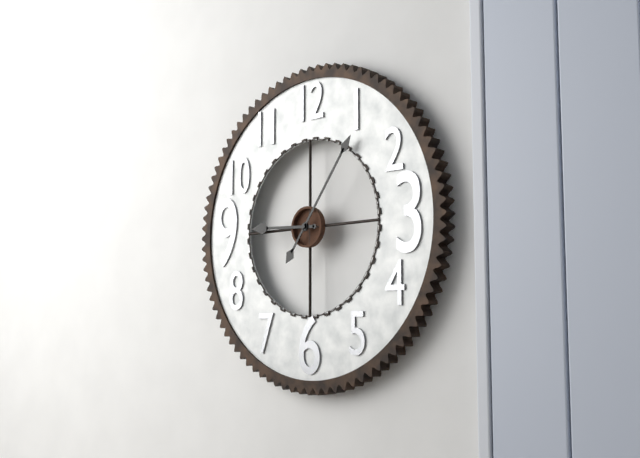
9:06
